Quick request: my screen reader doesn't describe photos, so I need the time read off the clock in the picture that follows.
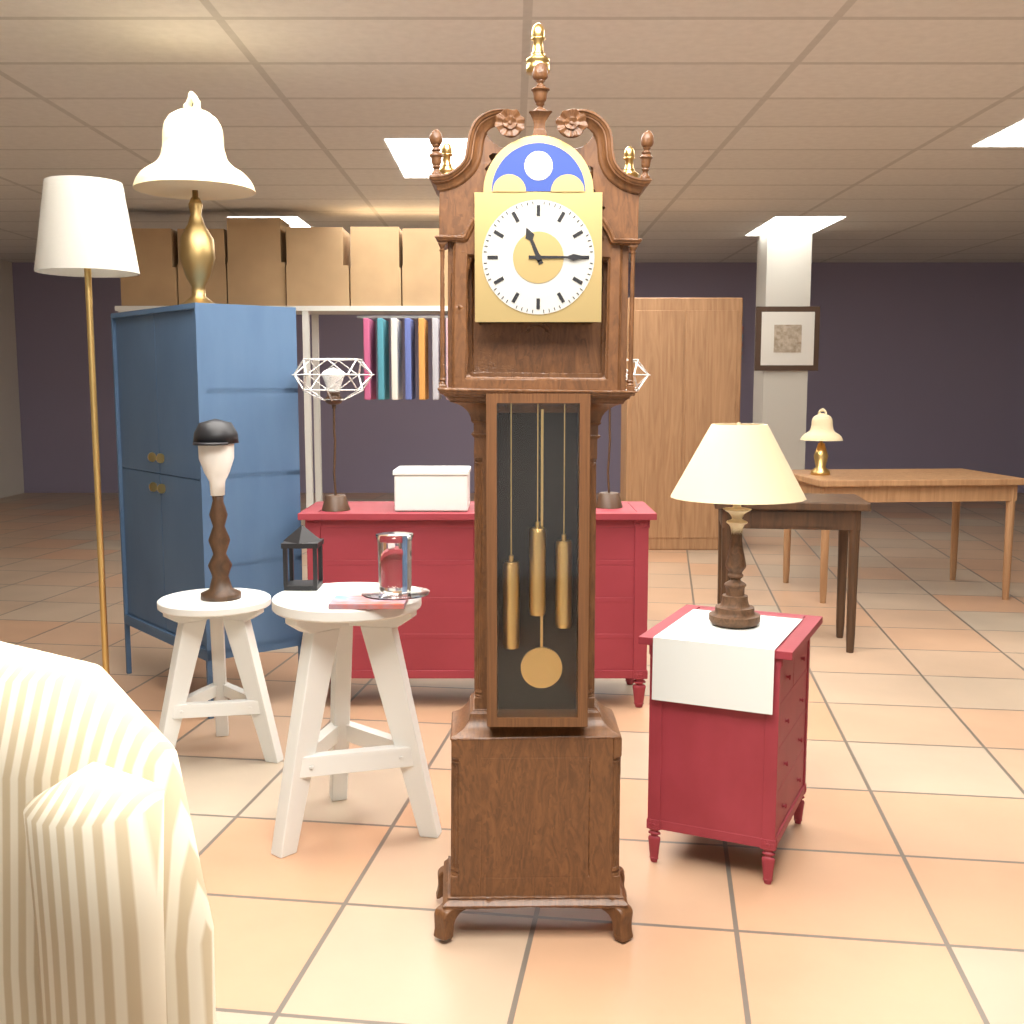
11:15
